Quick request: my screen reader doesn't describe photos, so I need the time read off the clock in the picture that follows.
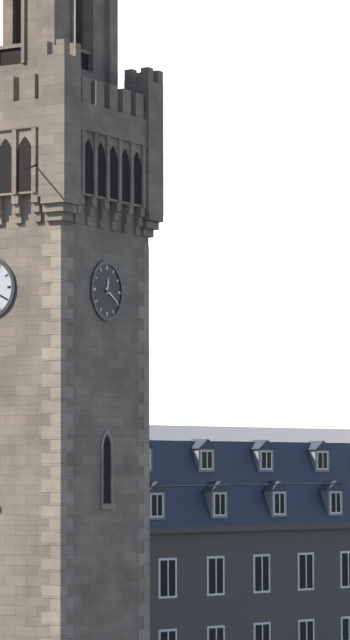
12:20
